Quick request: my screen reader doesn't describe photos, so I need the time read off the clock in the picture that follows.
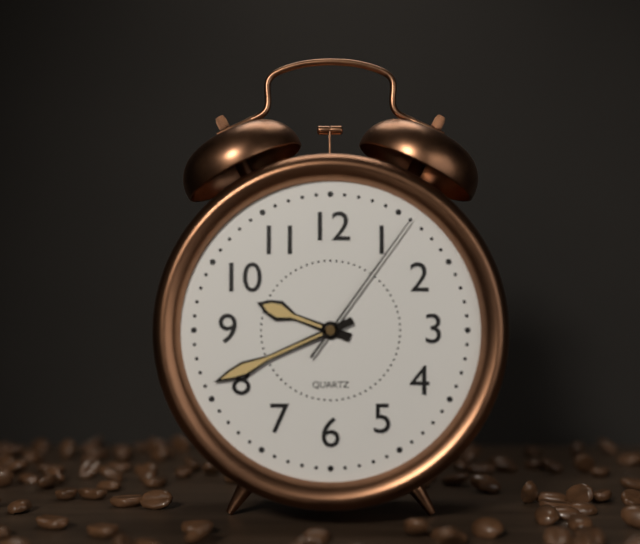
9:41:06
